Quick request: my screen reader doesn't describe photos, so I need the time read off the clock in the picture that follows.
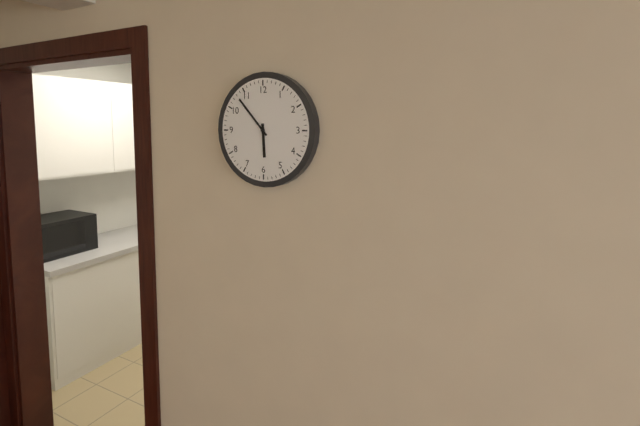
5:53
